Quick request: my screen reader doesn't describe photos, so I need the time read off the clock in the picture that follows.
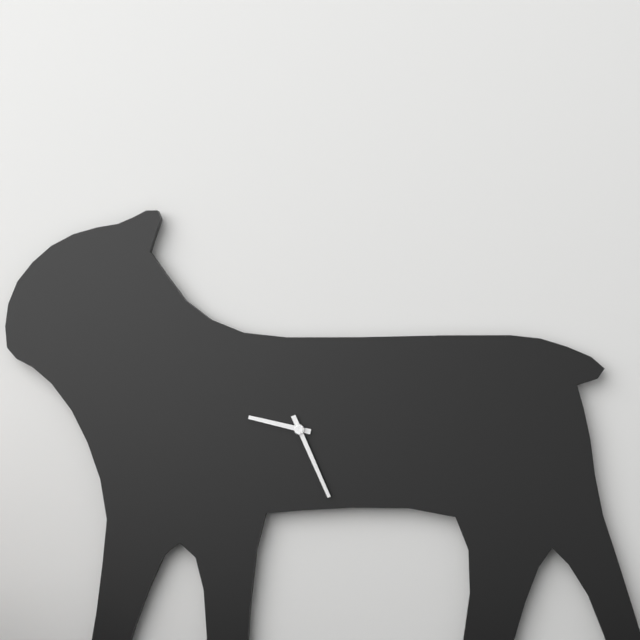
9:26
